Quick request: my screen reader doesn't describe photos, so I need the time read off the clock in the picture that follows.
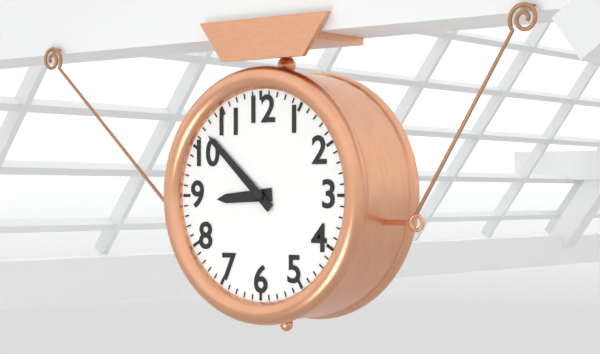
8:52
